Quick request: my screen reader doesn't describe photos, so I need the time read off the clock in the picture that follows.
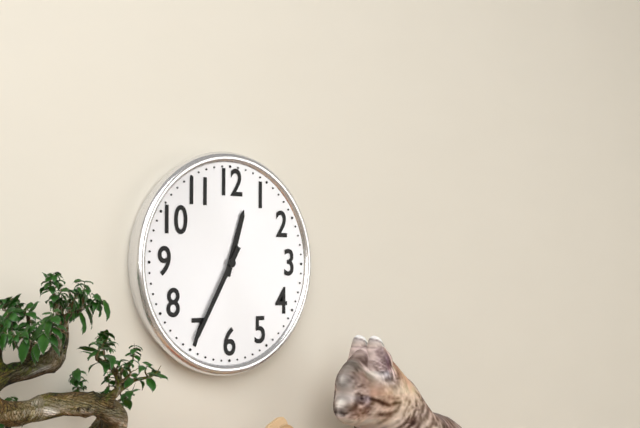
12:35
